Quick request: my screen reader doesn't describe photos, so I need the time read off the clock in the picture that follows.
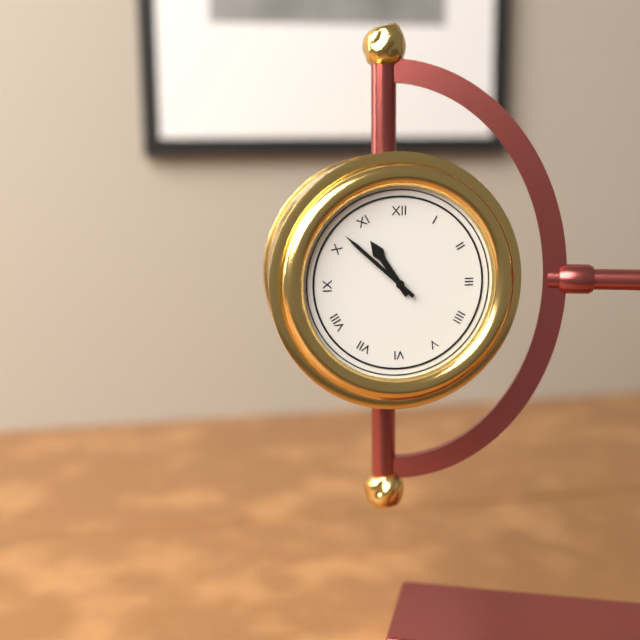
10:52
